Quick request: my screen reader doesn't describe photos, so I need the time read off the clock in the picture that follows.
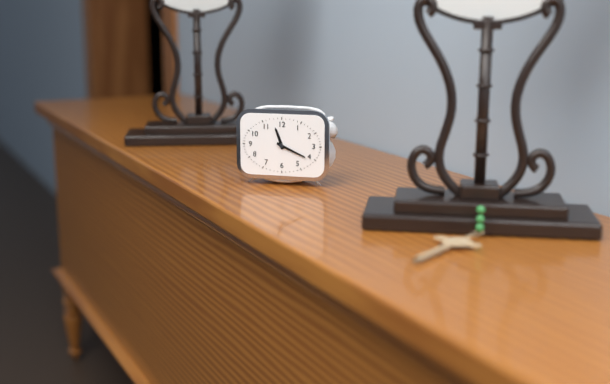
11:19
